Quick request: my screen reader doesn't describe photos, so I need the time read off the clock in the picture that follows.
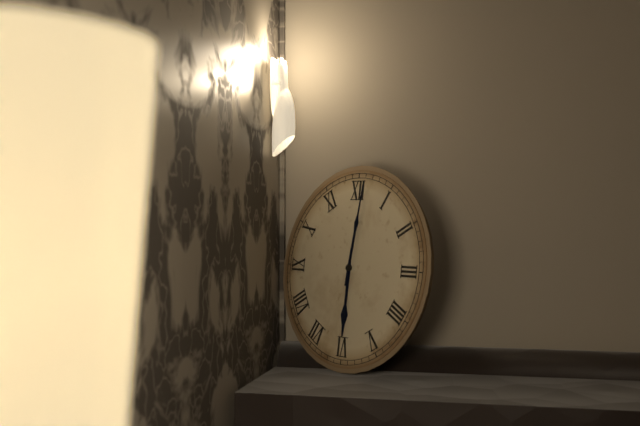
6:01
